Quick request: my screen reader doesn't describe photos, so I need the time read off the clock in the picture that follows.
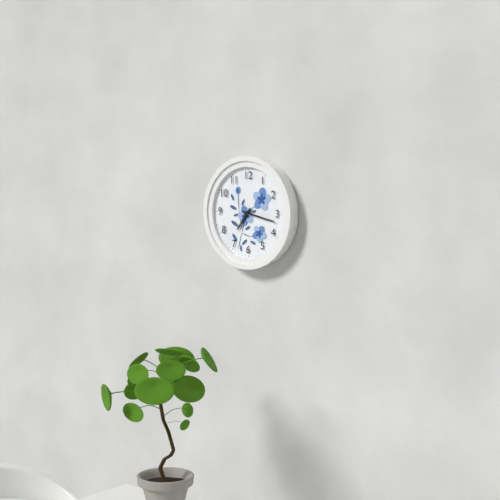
7:17
